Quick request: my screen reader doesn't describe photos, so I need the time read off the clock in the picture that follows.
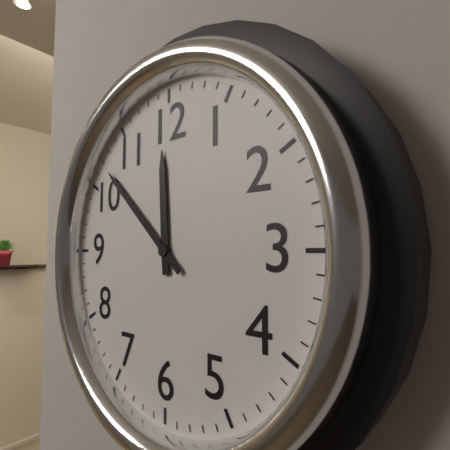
11:52
